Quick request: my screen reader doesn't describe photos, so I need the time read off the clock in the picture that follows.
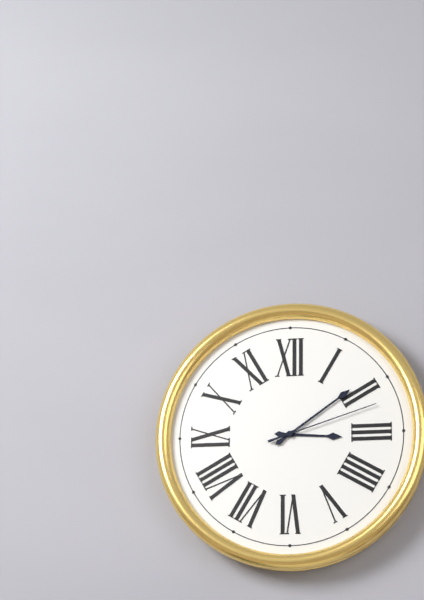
3:09:12
